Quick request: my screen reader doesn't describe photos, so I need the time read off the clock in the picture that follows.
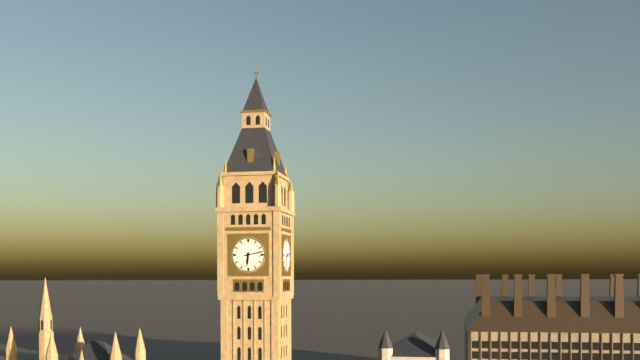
6:13
